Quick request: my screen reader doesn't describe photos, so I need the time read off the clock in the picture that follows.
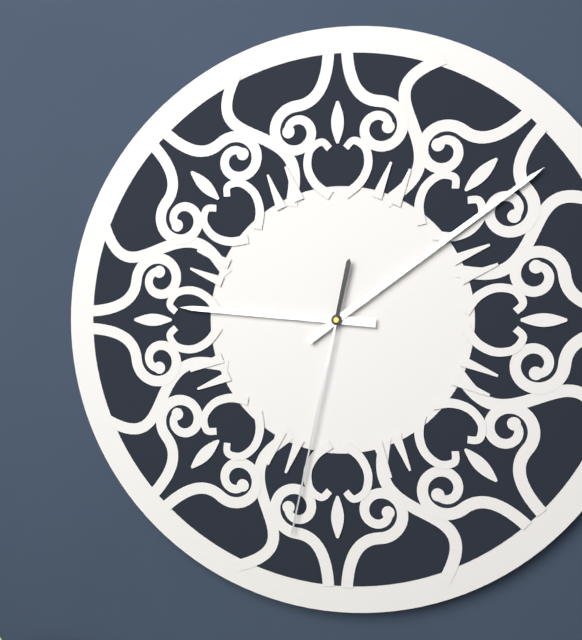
9:09:32
